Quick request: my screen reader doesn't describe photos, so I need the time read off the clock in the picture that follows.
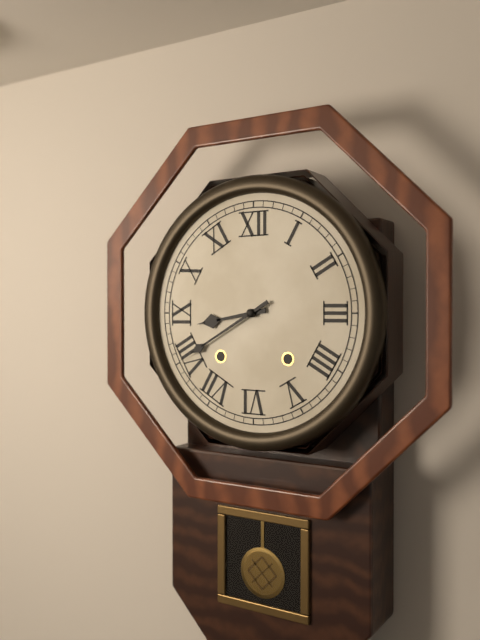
8:40
